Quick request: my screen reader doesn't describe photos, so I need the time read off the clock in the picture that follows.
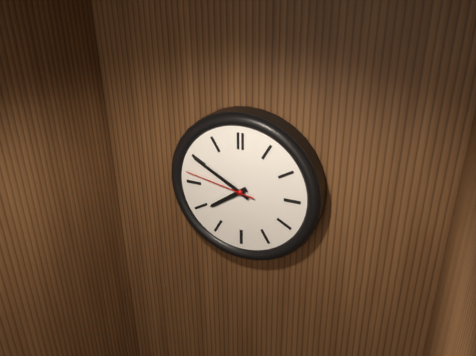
7:50:47
